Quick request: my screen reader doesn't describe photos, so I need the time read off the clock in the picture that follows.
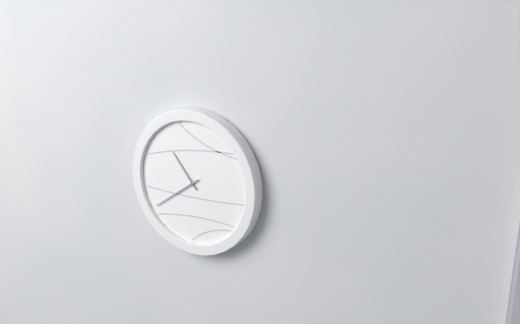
10:39
